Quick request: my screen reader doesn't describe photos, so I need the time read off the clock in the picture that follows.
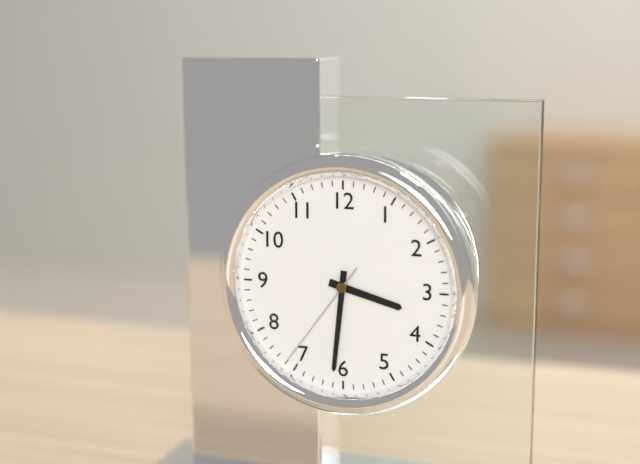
3:31:36
